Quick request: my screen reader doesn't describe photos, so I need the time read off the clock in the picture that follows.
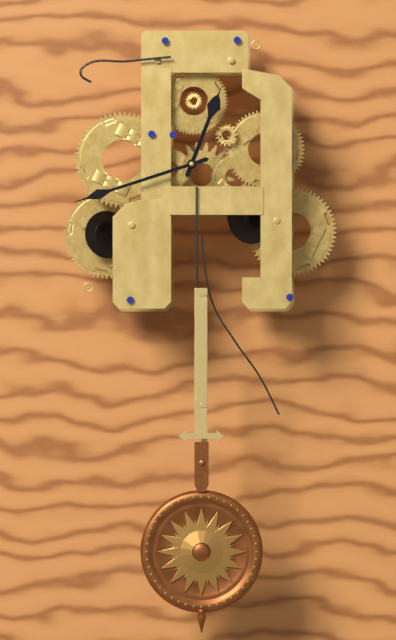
12:42
